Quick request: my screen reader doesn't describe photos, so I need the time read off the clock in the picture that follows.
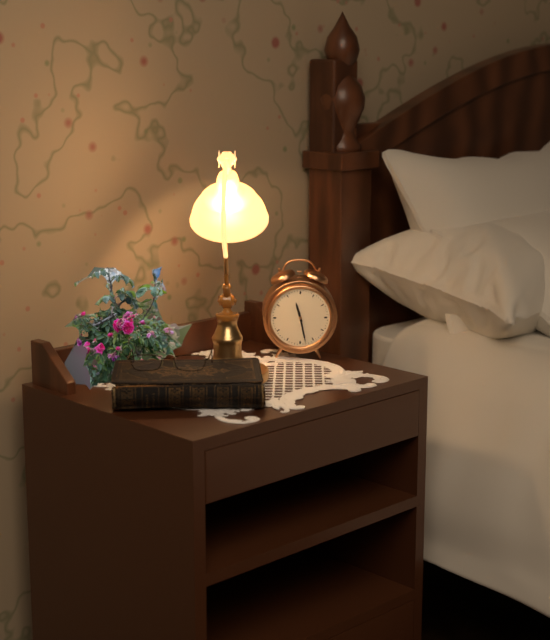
11:28
